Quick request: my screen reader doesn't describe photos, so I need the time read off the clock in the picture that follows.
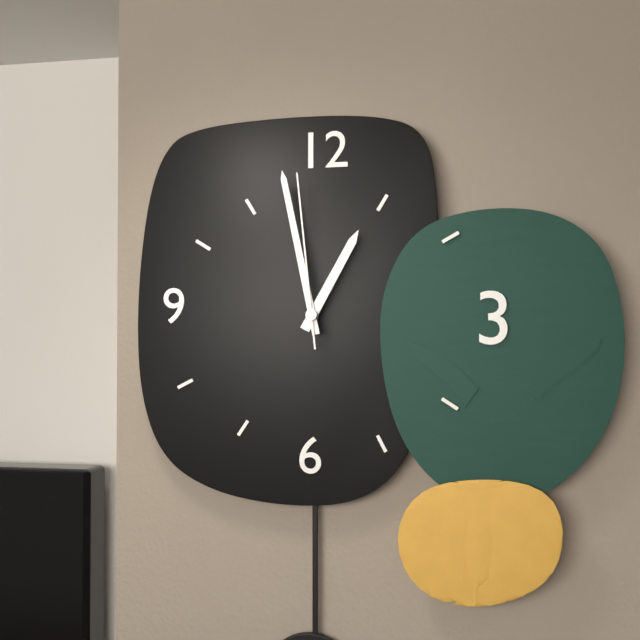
12:58:59
